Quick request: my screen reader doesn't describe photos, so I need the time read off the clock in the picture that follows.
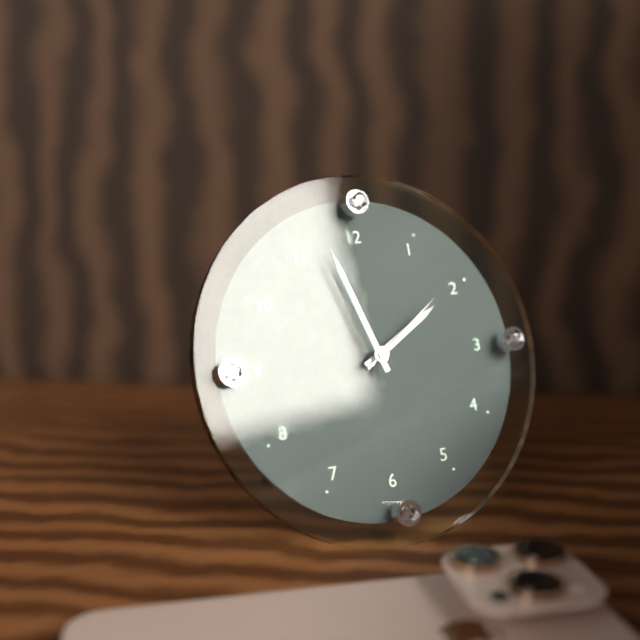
1:57:09
